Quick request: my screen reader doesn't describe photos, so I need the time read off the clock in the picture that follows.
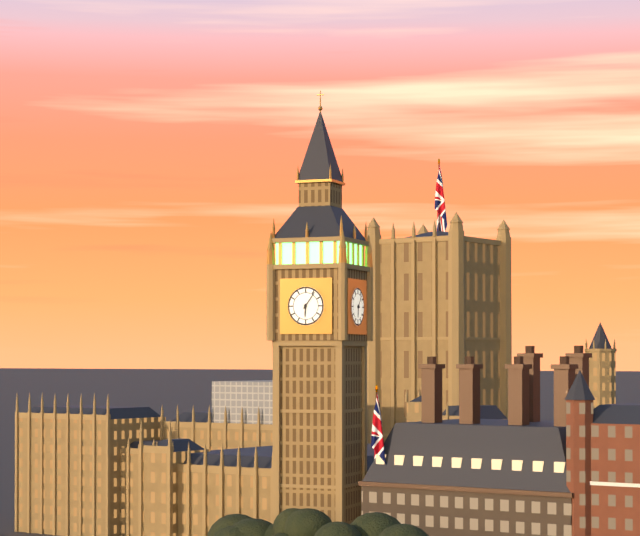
6:06
